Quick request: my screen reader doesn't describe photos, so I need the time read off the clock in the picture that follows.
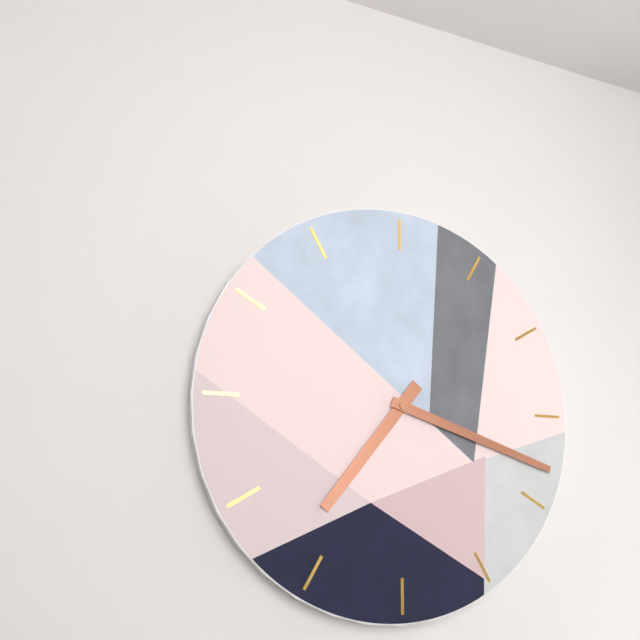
7:18
